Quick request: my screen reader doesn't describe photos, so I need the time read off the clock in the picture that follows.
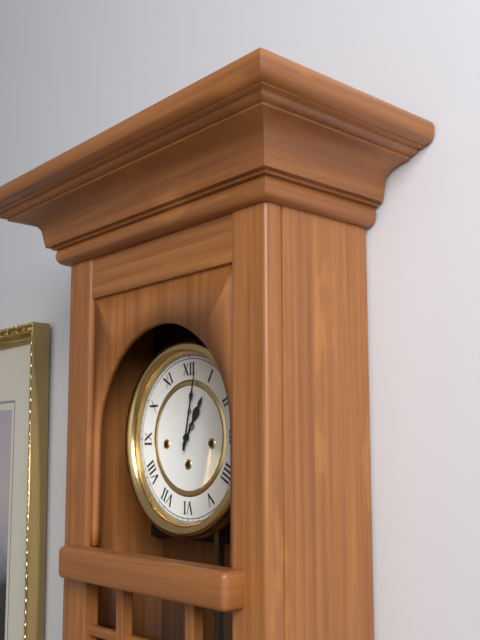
1:02
